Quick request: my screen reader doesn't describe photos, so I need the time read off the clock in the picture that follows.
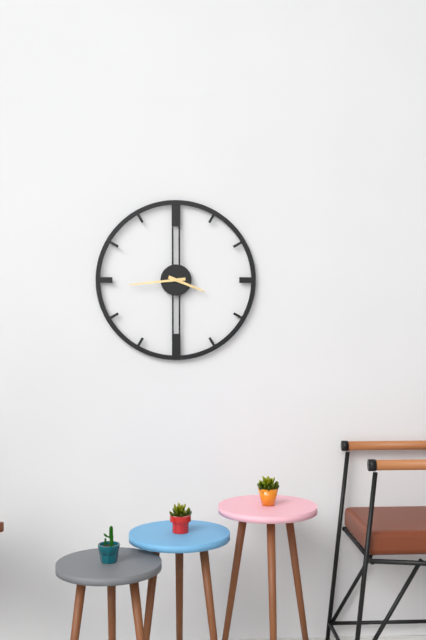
3:44
